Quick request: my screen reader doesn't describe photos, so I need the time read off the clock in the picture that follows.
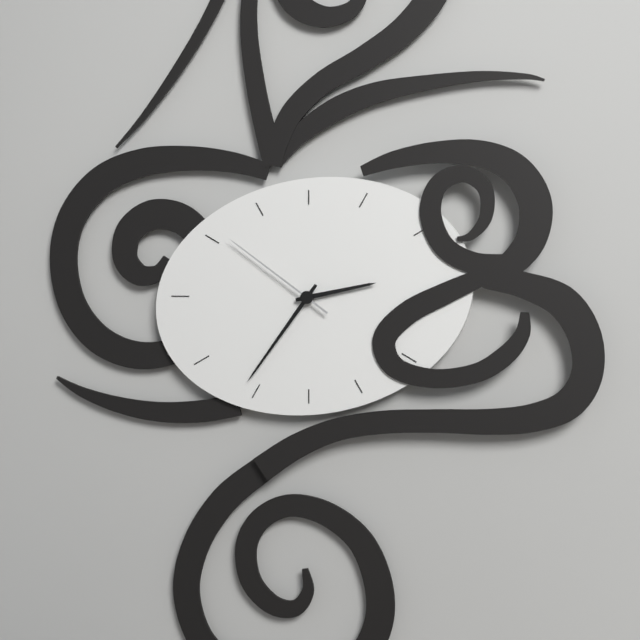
2:36:51
